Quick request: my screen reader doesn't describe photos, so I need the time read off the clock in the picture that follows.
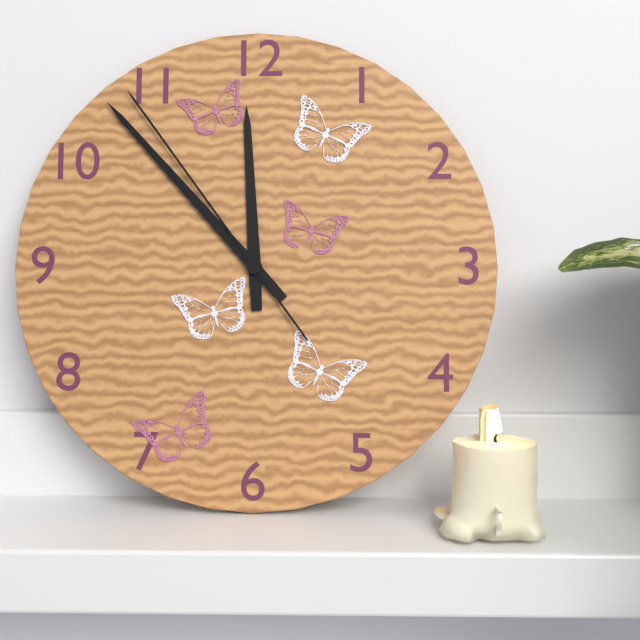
11:53:54
